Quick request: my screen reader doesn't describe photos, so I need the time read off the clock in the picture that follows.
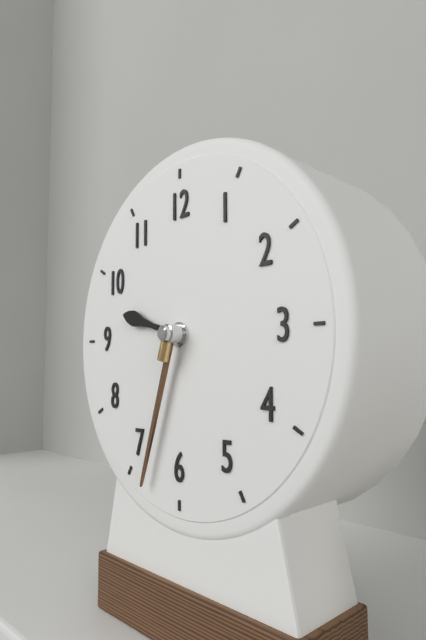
9:33
